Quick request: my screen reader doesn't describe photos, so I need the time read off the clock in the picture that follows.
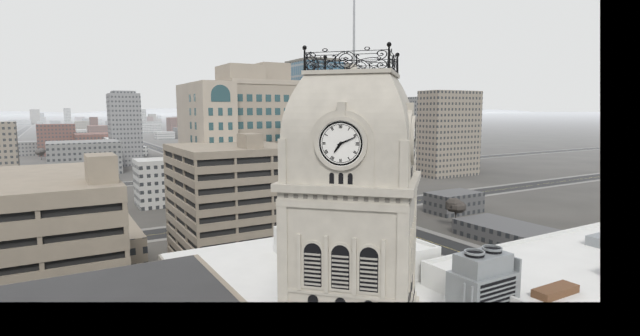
7:11
